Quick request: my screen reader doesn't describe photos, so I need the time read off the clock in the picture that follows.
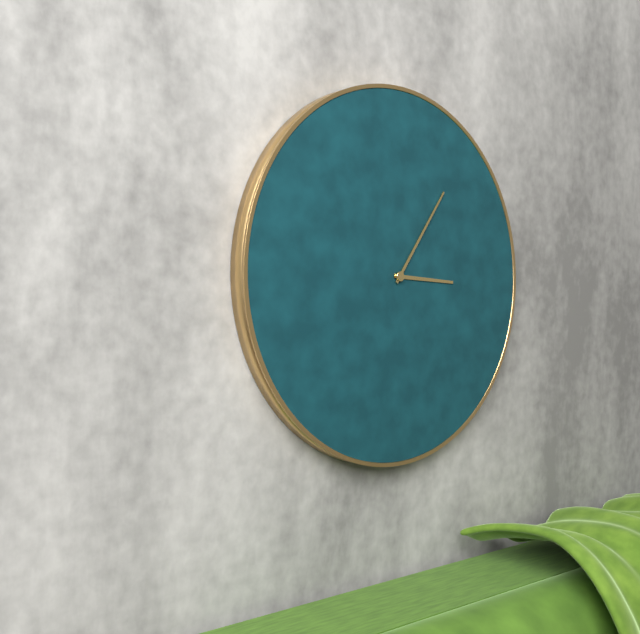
3:06
